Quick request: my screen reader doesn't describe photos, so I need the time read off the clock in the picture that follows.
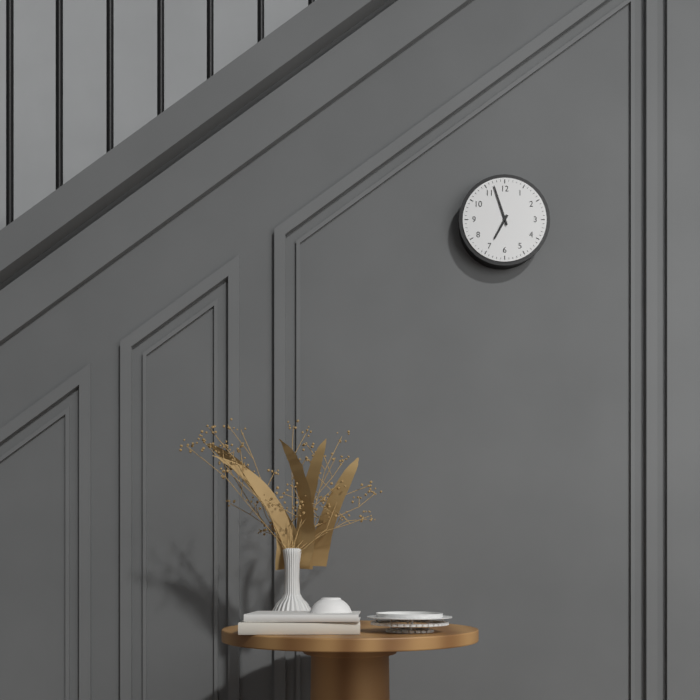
6:57
